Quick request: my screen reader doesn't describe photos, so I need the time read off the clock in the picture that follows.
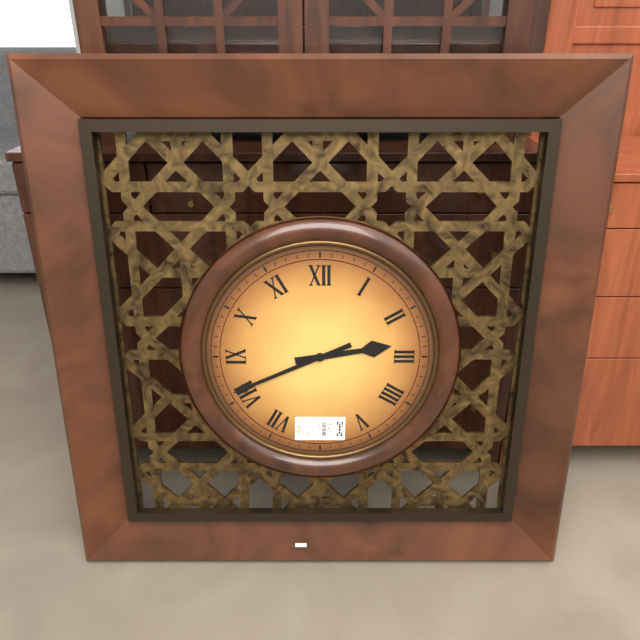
2:41
